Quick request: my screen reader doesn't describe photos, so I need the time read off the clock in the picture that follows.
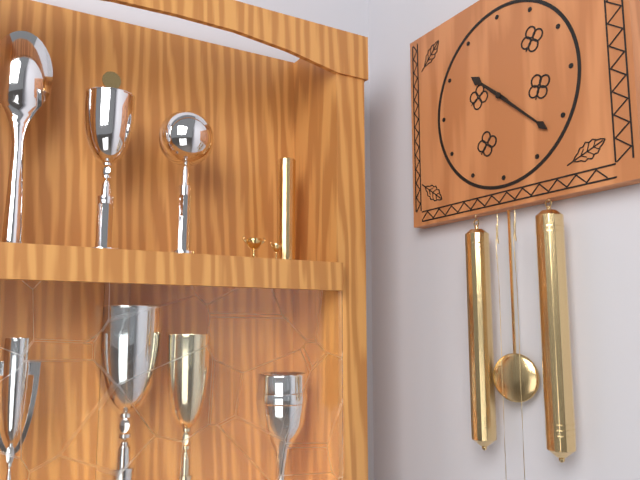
10:22
